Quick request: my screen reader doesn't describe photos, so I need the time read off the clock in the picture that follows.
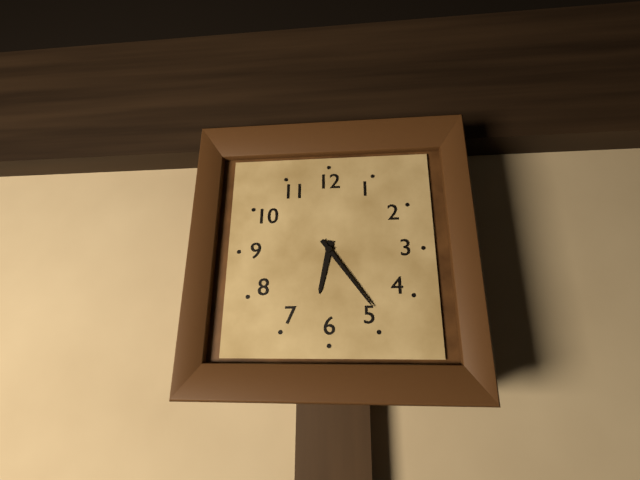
6:24
